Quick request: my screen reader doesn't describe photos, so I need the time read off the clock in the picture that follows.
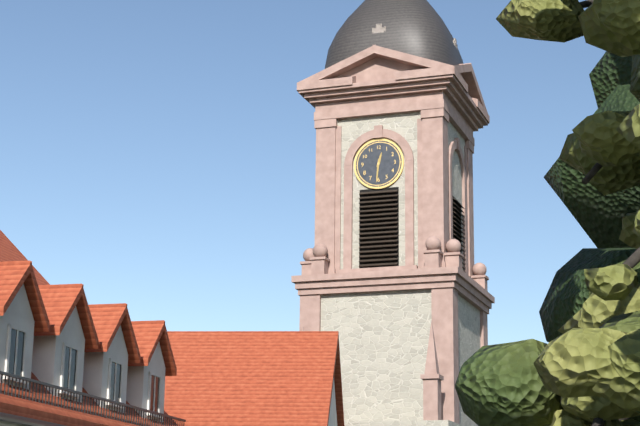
12:31
